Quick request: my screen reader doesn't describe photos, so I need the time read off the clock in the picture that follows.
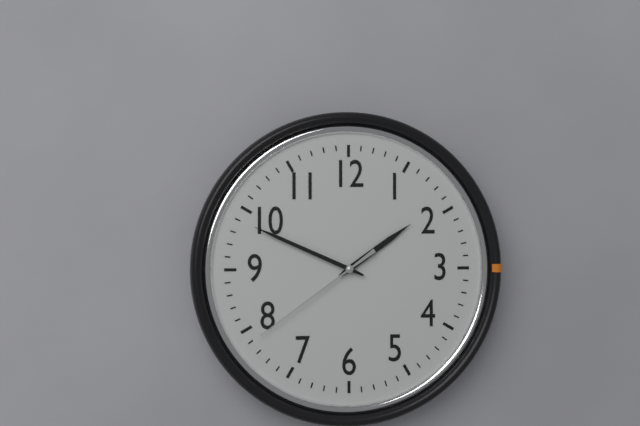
1:49:39
